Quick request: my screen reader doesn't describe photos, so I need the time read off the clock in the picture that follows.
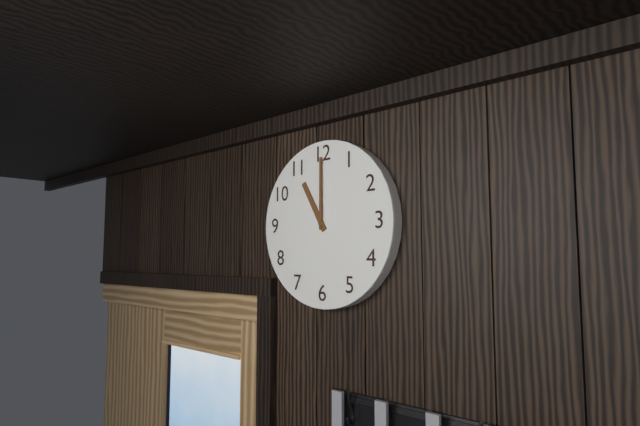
11:00
